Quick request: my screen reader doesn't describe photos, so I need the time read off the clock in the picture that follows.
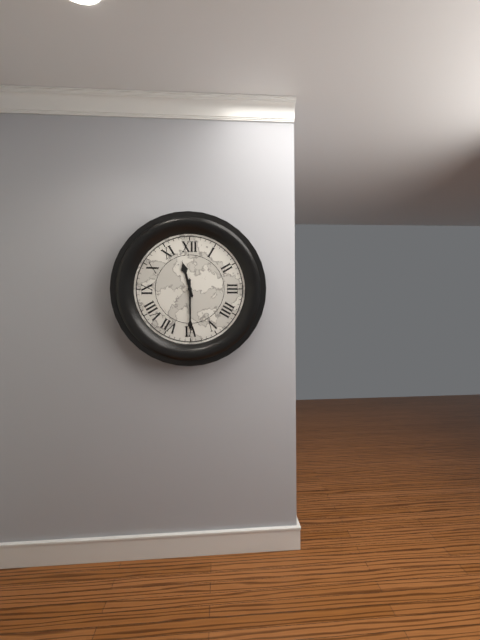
11:30
